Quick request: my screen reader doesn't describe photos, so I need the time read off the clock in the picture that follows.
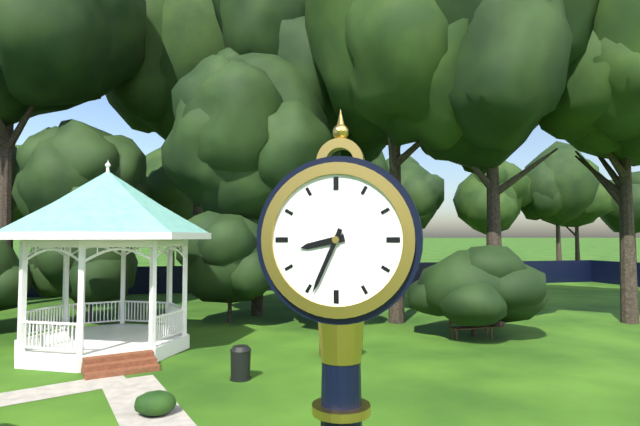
8:34
